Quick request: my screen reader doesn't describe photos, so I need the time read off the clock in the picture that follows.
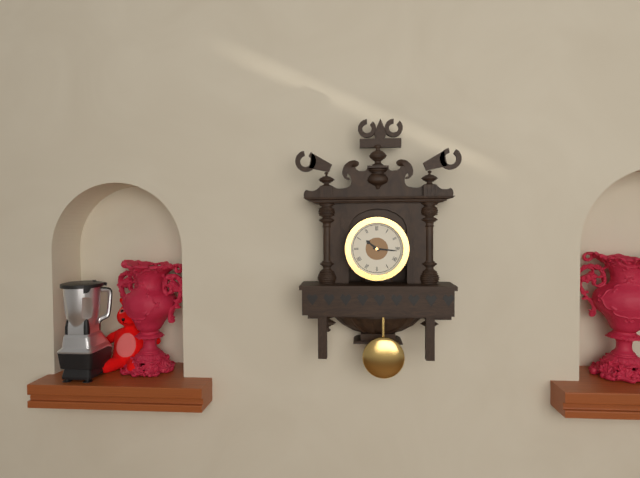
10:16
